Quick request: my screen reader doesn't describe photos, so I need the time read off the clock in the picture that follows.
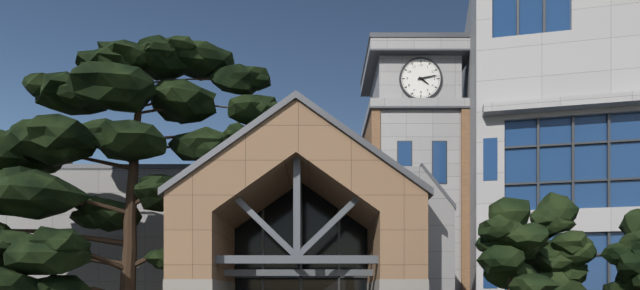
4:13
